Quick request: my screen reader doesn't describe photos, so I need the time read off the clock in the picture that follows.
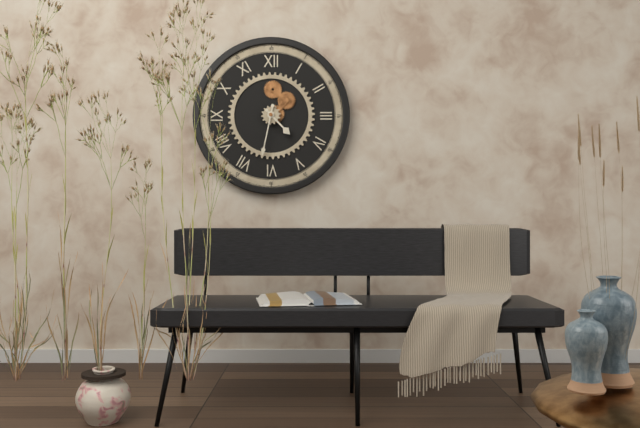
4:32
